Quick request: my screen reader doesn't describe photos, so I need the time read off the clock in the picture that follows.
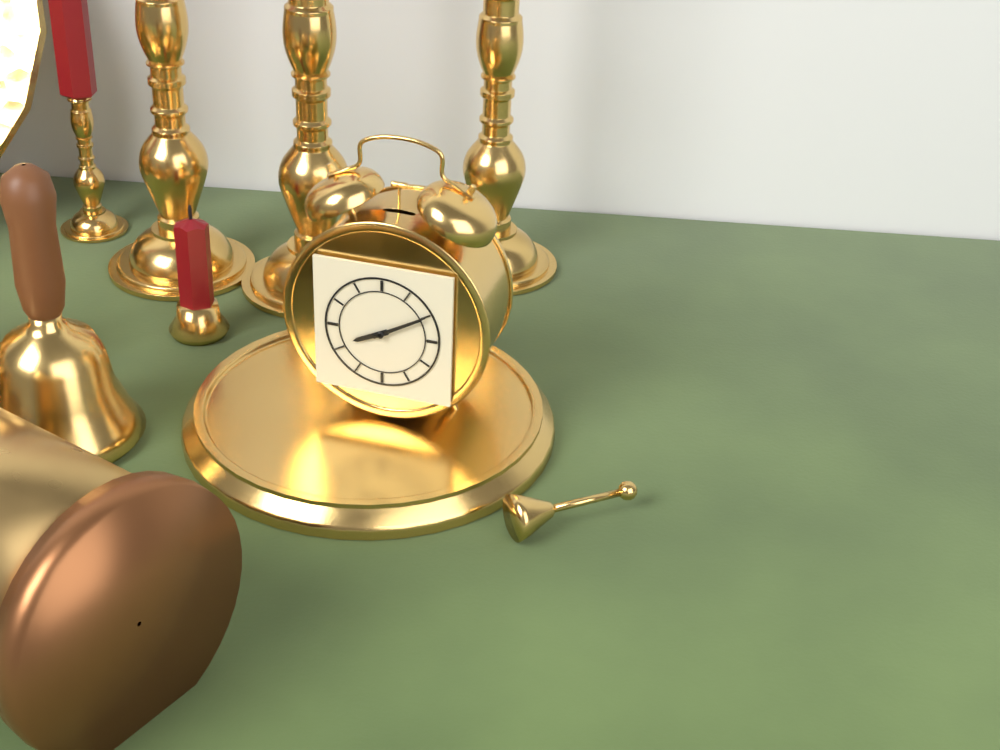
8:10
